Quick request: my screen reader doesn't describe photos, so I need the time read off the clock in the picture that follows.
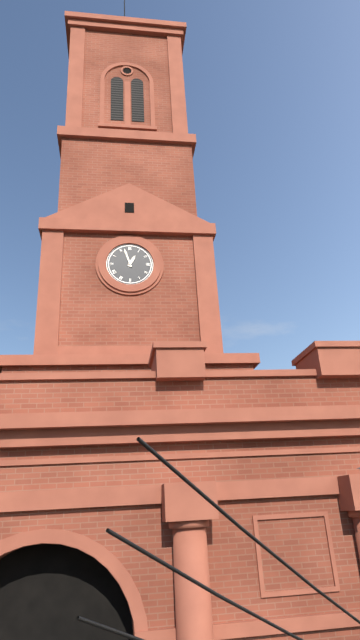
12:57
